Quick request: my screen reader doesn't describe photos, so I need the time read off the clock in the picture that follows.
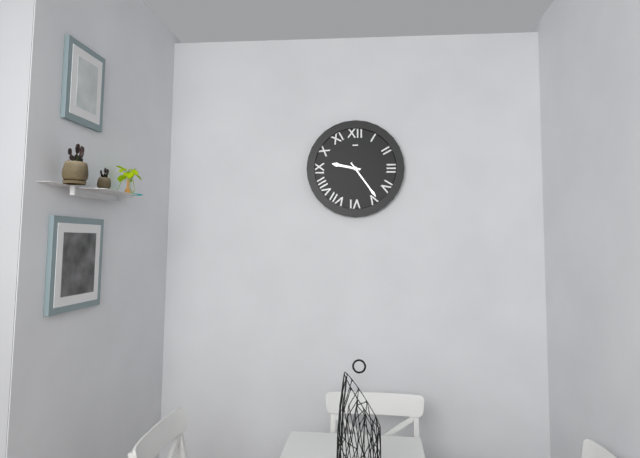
9:24
